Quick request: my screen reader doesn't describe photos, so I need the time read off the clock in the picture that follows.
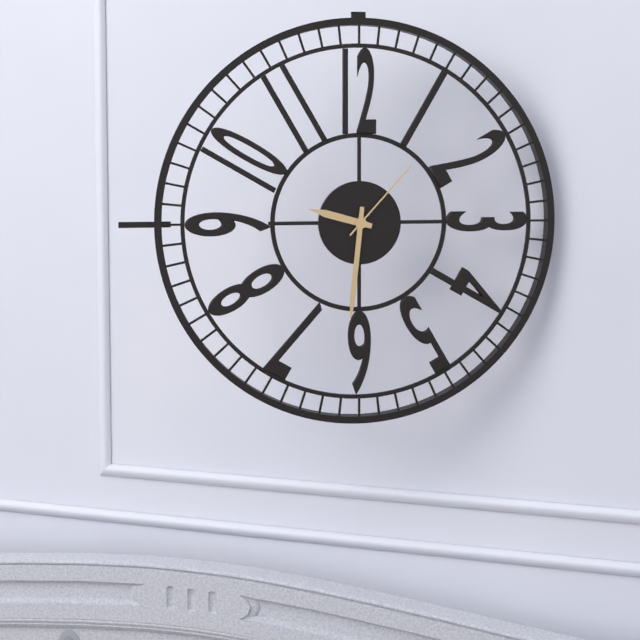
9:31:07
